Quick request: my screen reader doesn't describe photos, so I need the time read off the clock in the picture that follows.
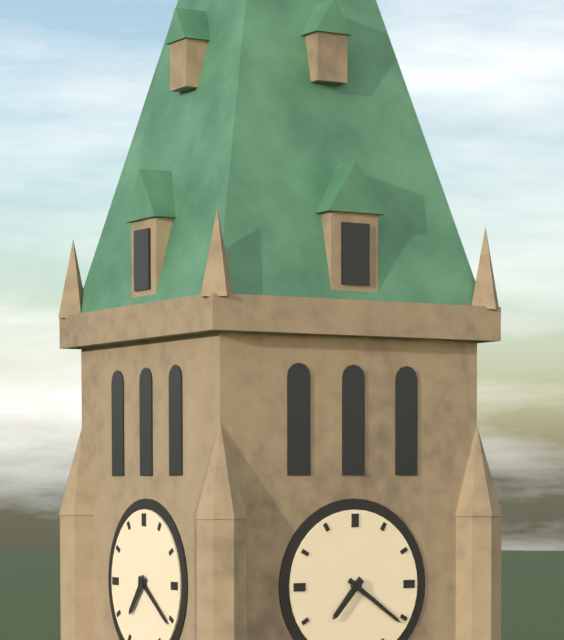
7:21
